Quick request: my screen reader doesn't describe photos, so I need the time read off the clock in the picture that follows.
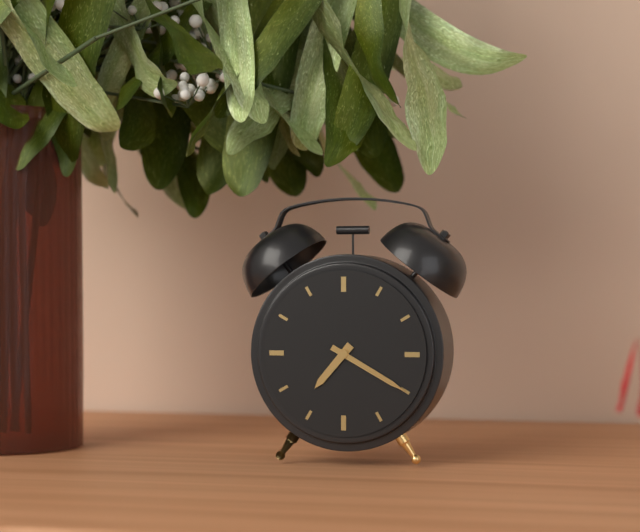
7:20
